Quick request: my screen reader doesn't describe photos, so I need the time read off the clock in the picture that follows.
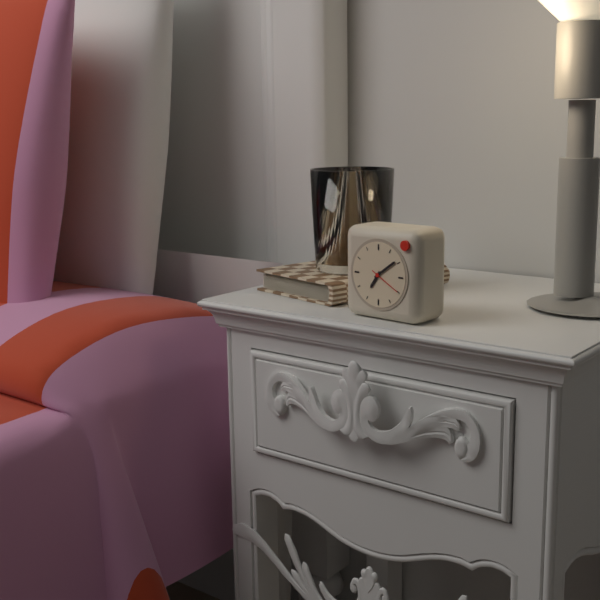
7:09
